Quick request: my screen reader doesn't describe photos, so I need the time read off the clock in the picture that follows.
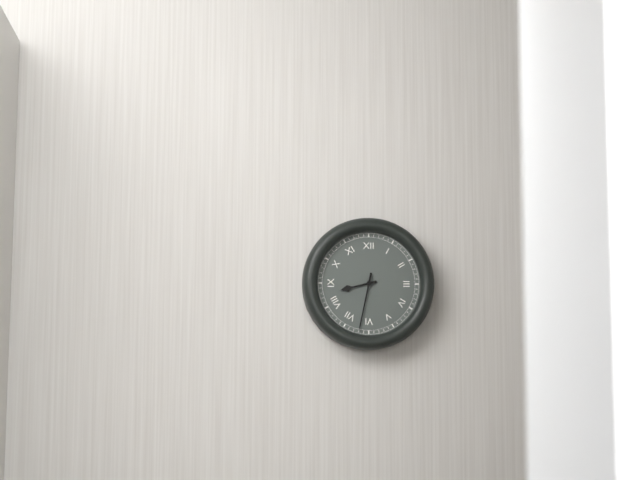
8:32
